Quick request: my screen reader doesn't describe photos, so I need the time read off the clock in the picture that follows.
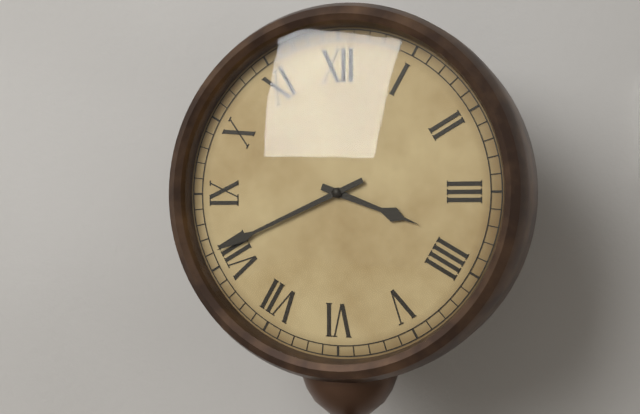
3:41
